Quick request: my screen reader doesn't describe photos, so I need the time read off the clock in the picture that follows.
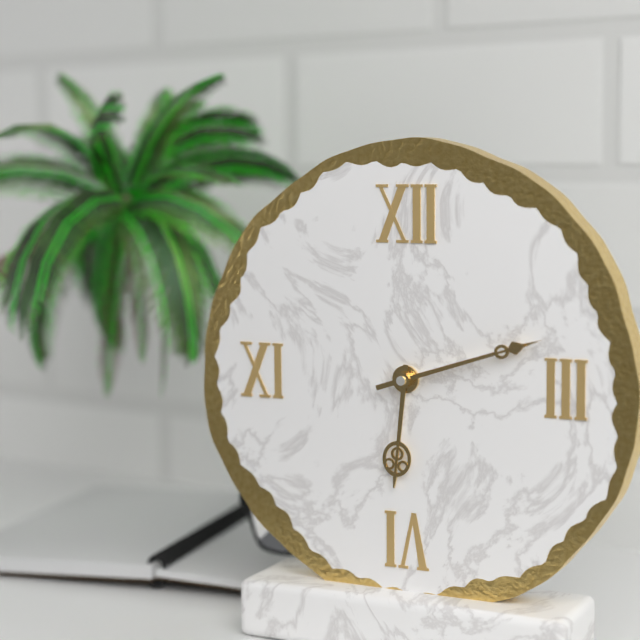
6:12:12
